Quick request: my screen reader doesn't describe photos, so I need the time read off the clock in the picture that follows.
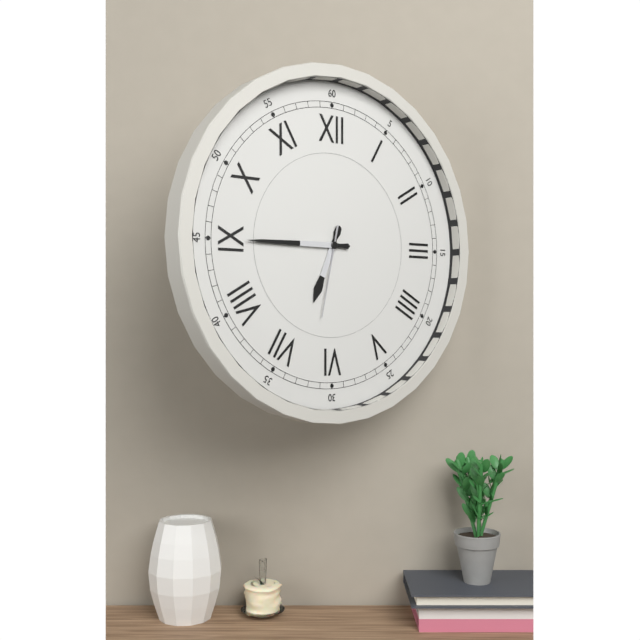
6:45:32
